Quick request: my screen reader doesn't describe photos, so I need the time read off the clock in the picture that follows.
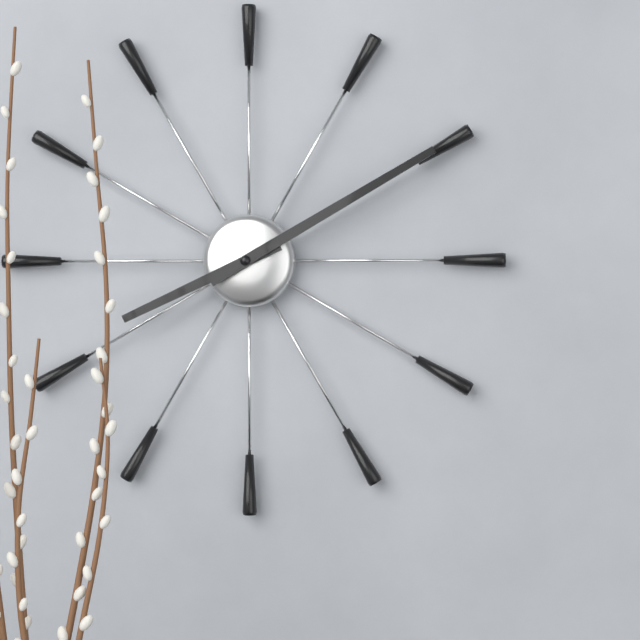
8:10
